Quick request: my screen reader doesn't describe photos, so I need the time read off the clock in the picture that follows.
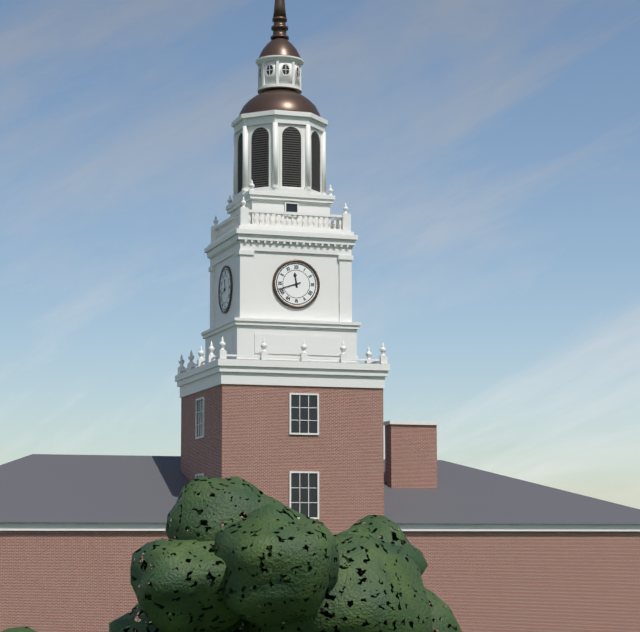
11:42
